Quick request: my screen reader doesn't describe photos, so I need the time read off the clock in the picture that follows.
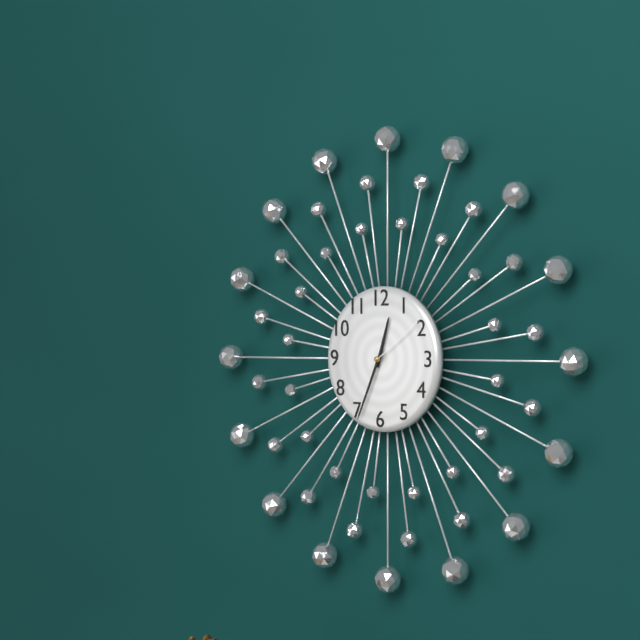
12:34:09
